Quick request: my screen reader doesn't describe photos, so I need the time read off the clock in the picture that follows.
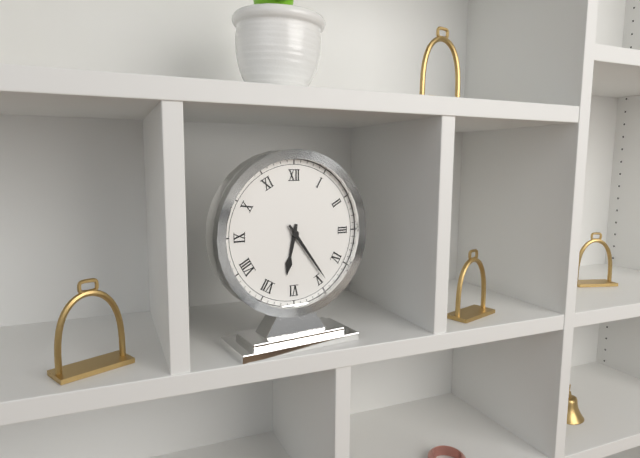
6:24
